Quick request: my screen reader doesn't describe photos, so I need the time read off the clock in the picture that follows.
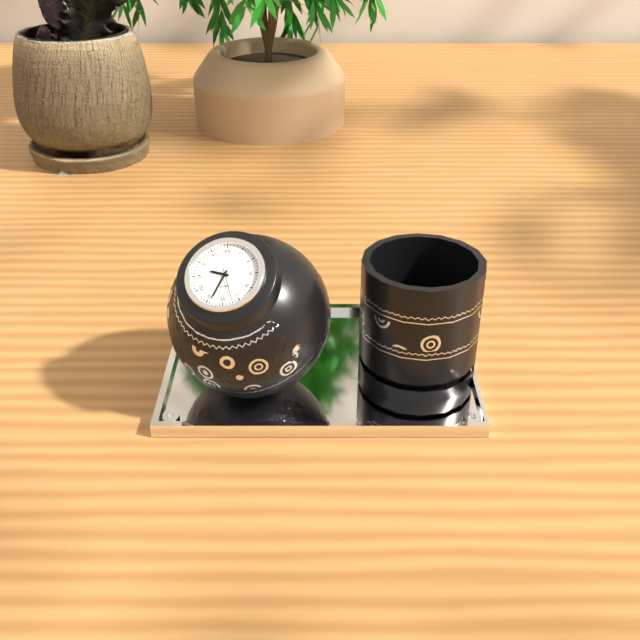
9:34
